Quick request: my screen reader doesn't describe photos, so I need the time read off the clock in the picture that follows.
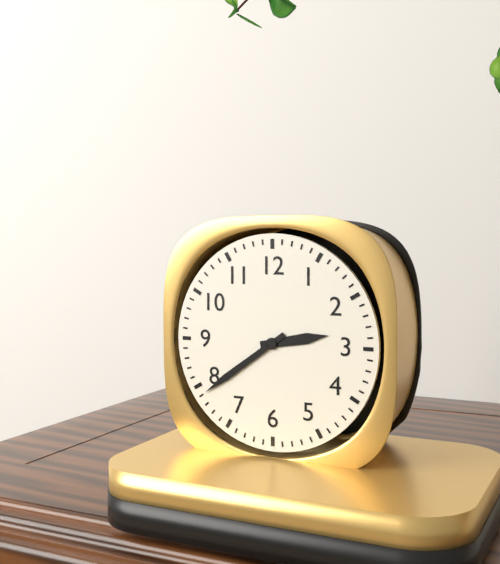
2:39
